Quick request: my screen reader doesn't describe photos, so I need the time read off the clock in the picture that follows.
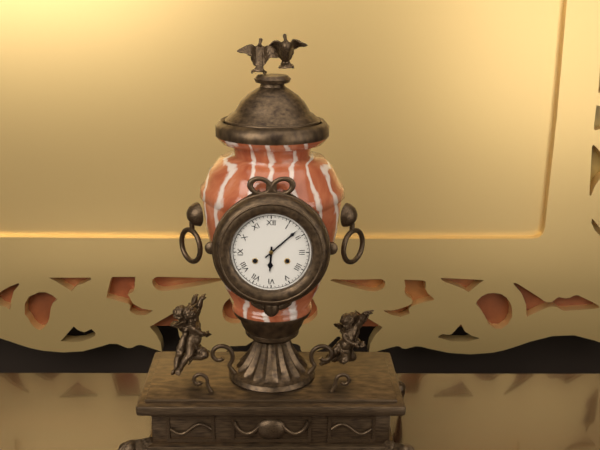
6:08
